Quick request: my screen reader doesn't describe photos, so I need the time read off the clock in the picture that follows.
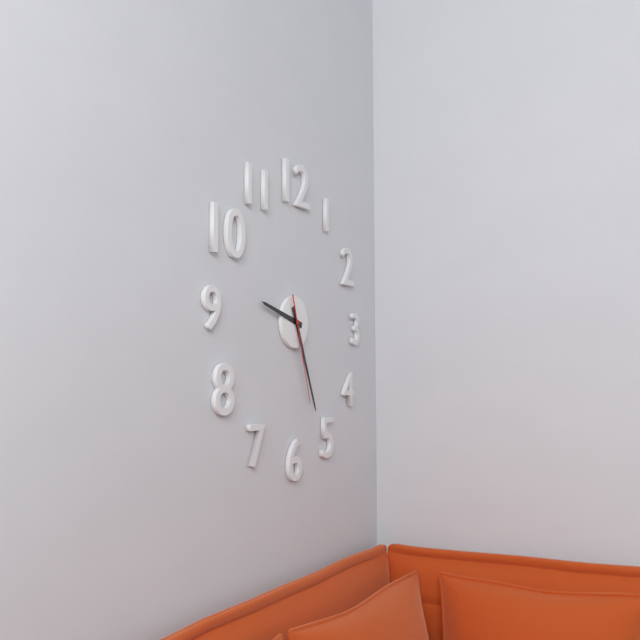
9:26:27
